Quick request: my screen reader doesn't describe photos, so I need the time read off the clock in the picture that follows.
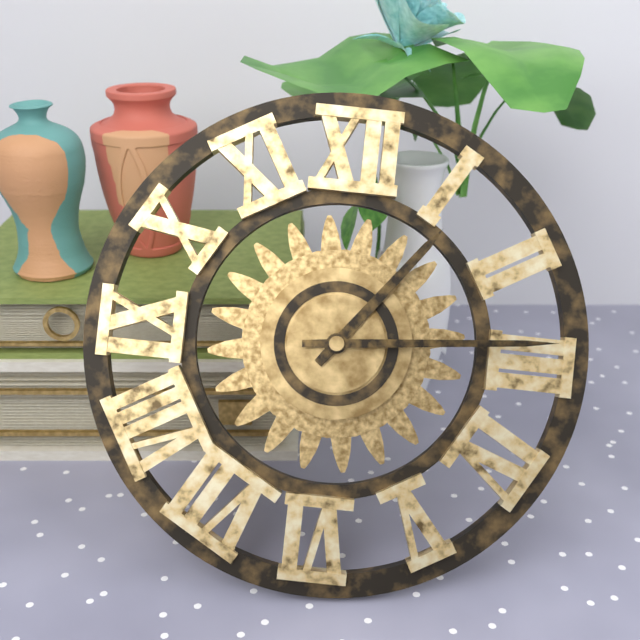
1:14
